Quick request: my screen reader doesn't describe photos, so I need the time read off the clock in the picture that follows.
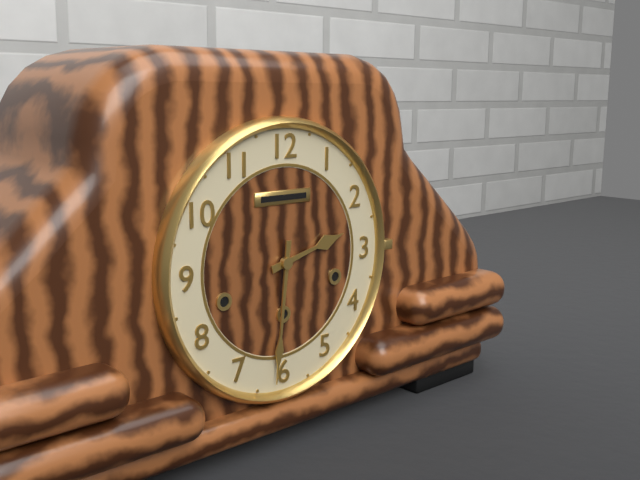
2:31
